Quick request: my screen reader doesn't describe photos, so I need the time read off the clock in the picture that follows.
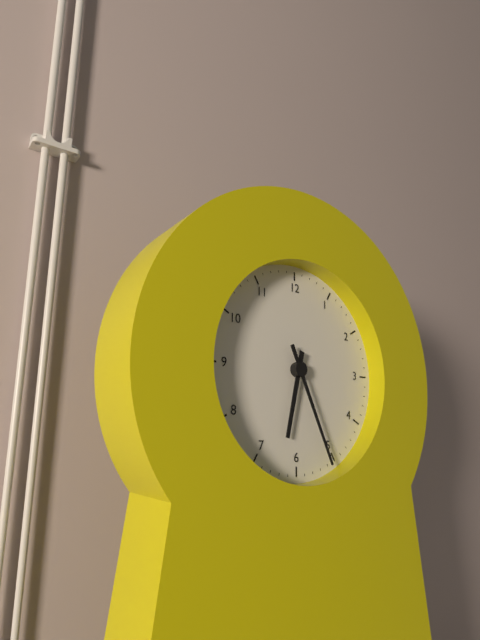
6:26
